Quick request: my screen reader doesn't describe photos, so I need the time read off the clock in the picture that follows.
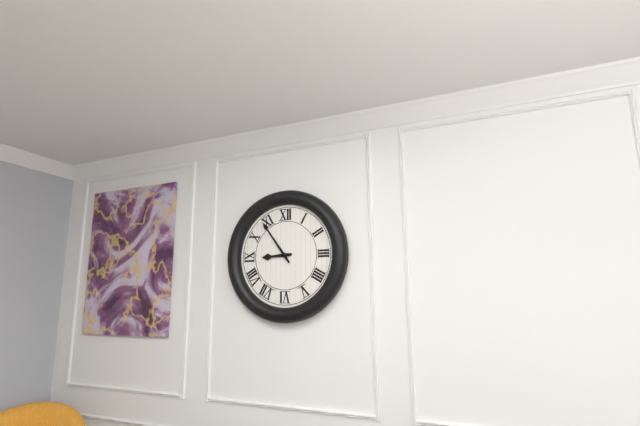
8:54
